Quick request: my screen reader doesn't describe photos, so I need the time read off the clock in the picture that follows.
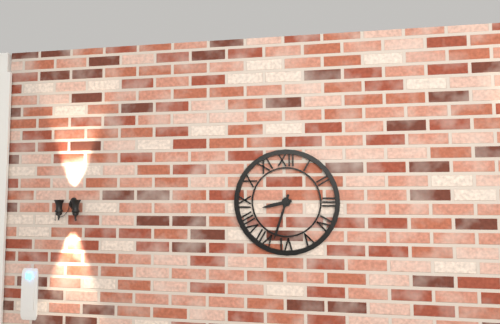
8:33
